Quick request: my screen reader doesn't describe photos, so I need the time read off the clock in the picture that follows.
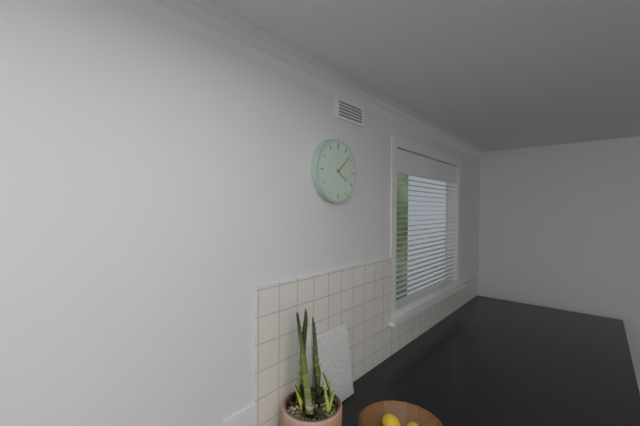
4:08
